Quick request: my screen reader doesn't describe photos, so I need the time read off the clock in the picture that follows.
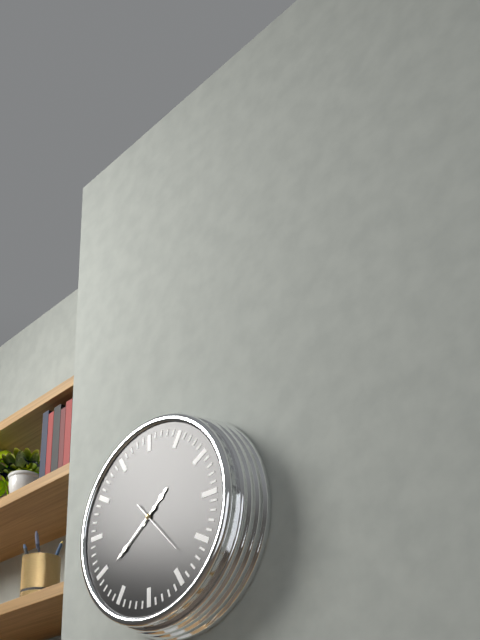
1:39:23
